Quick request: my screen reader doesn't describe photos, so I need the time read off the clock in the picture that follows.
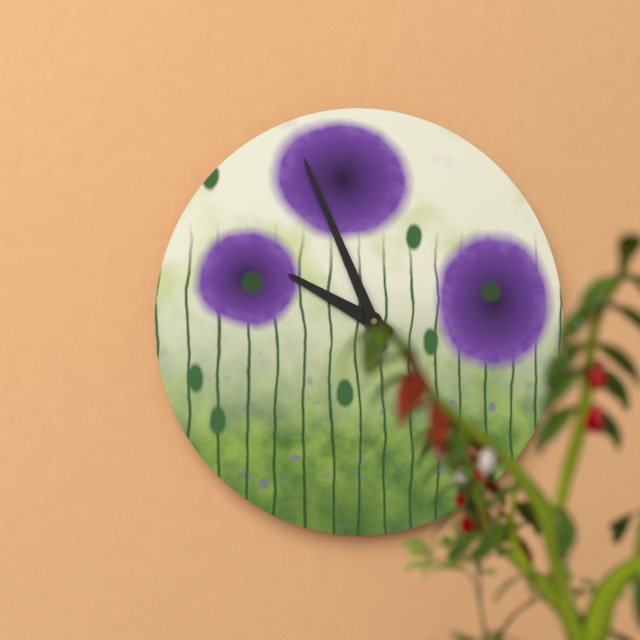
9:56
